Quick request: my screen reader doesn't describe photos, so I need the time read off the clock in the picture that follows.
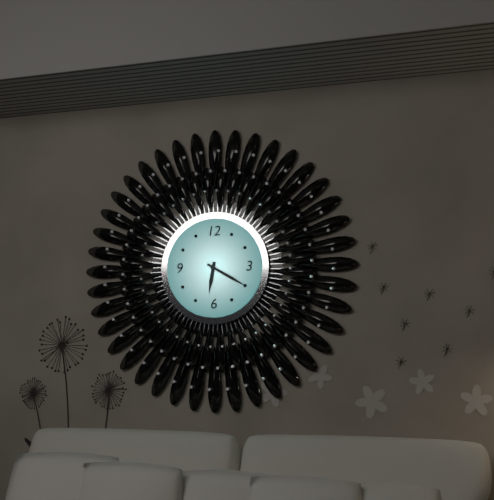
6:20
